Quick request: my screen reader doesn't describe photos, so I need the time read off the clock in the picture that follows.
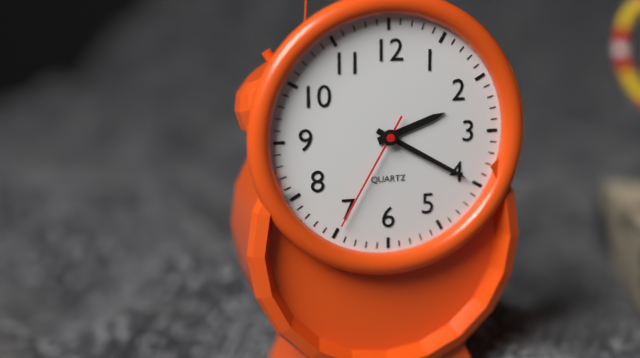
2:20:35
